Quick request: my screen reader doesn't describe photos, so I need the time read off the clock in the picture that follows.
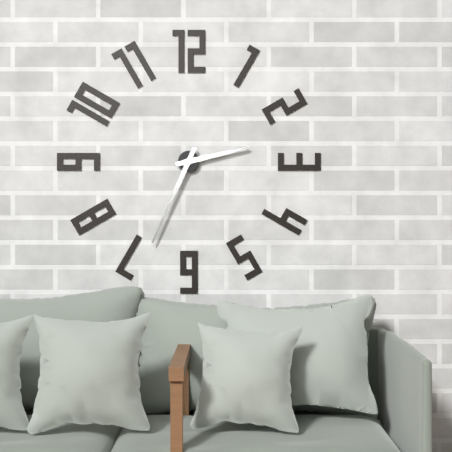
2:34
